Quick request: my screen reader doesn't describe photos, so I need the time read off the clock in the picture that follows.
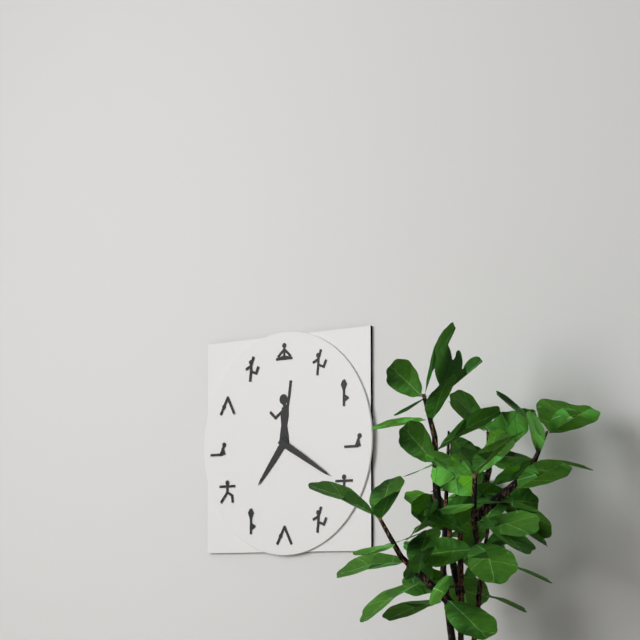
7:20
